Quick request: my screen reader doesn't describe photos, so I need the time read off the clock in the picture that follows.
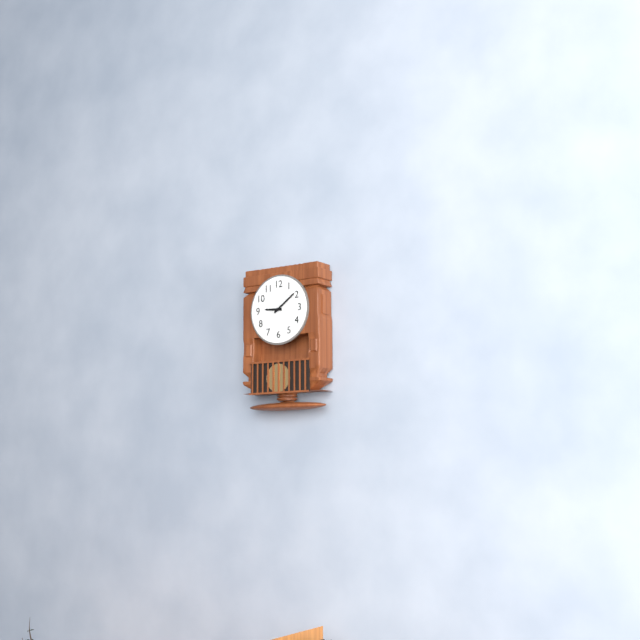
9:09
